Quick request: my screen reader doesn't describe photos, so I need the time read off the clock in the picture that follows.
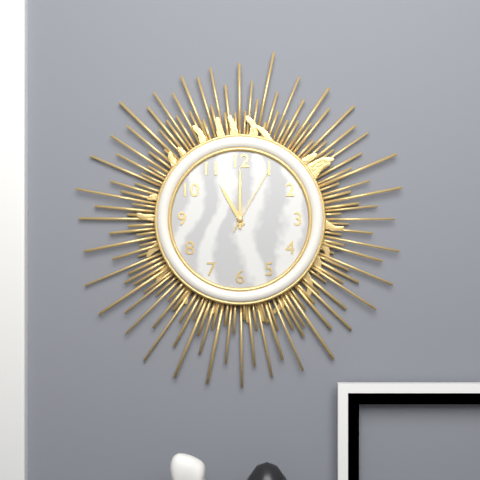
11:00:05
